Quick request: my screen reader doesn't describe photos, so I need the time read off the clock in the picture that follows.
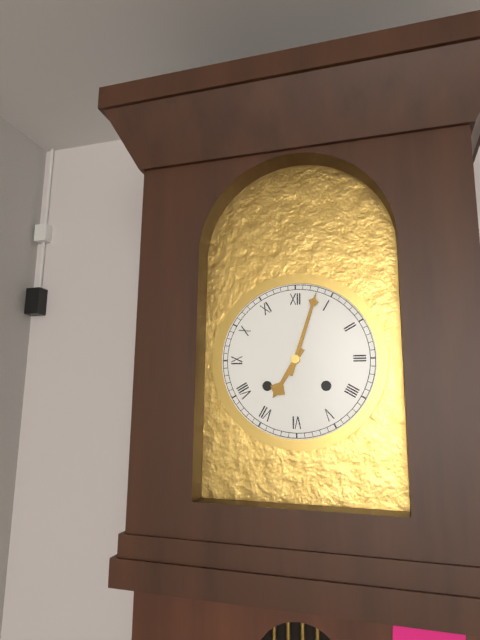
7:03
